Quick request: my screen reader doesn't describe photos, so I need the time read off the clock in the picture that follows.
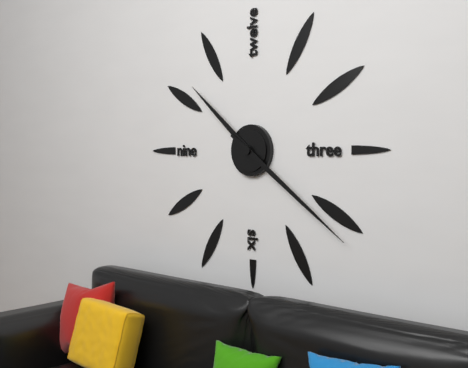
10:21
